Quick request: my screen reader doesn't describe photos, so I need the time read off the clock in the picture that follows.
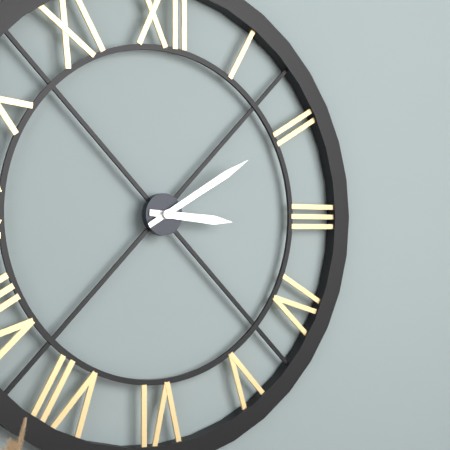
3:10
